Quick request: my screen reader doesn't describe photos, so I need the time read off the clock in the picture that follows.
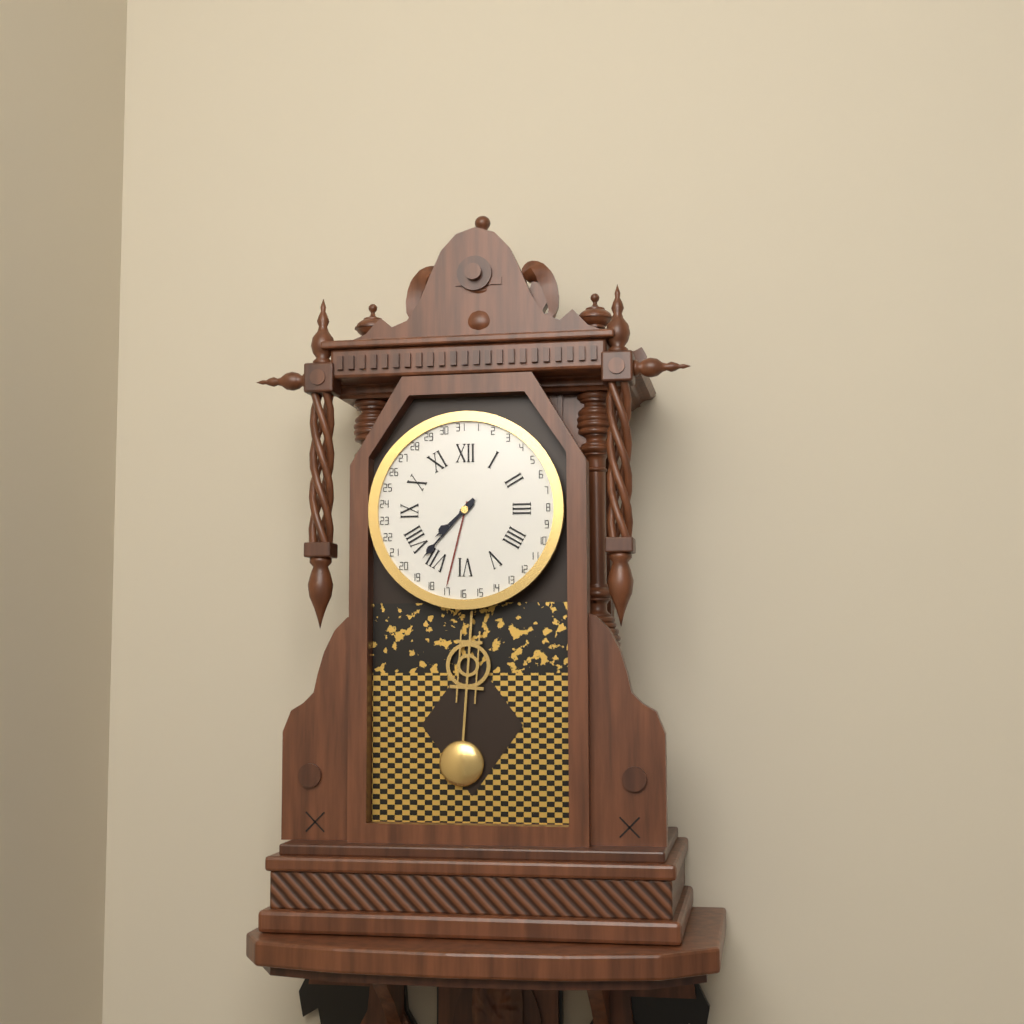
7:37
